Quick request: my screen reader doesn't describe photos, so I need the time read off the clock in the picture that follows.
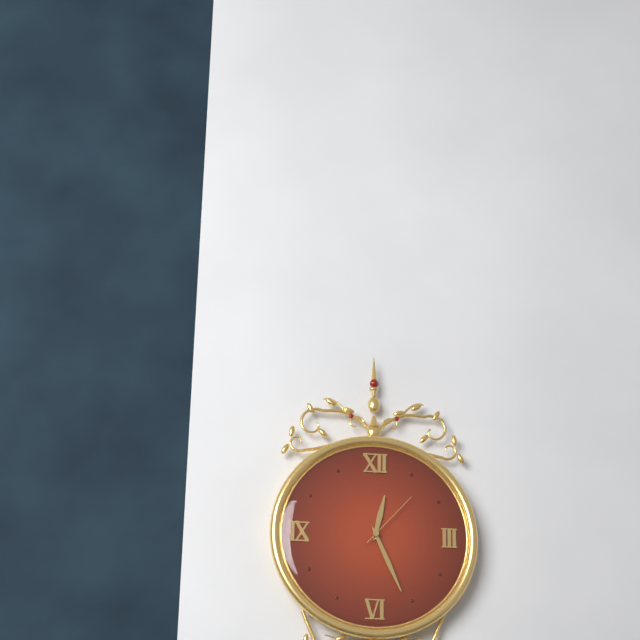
12:26:07
